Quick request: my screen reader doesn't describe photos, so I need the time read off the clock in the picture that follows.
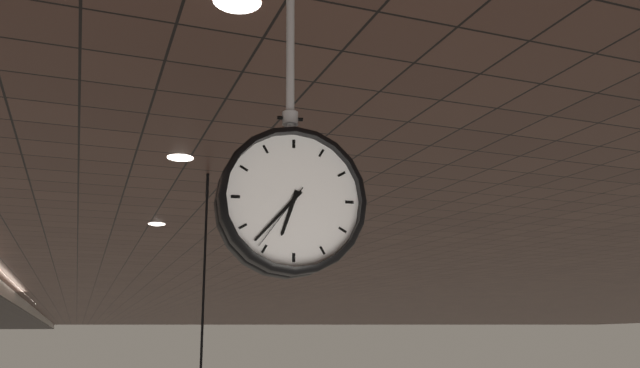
6:37:36
